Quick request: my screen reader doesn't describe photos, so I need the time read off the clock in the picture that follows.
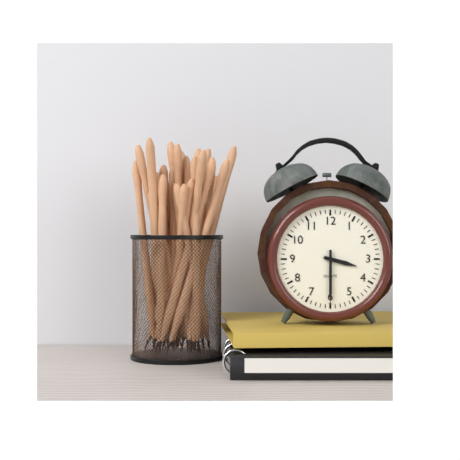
3:30
